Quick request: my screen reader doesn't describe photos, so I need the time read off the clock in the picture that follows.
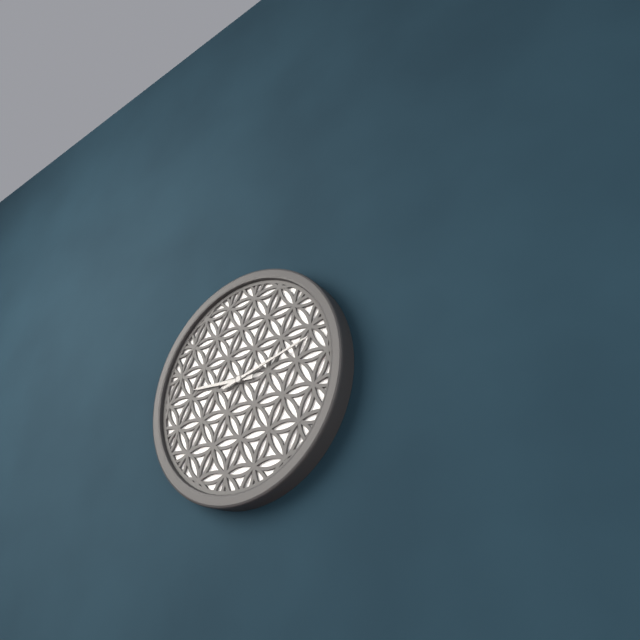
9:13
